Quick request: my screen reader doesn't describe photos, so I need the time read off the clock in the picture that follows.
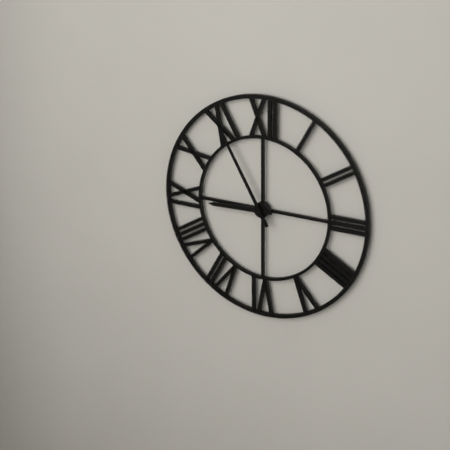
8:55
